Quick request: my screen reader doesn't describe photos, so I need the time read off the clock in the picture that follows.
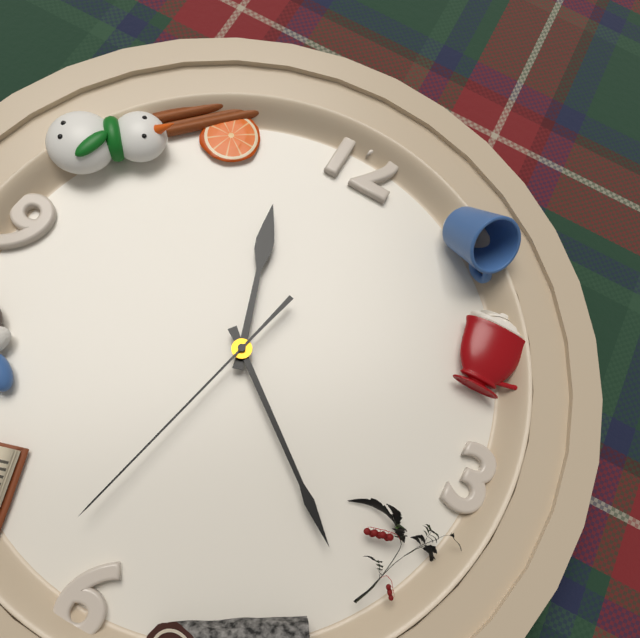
11:21:32
